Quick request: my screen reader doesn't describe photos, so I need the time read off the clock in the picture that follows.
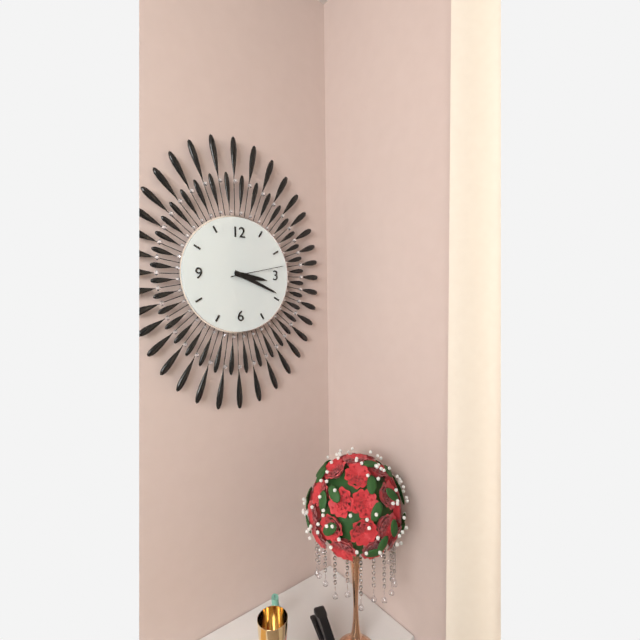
3:19:13
